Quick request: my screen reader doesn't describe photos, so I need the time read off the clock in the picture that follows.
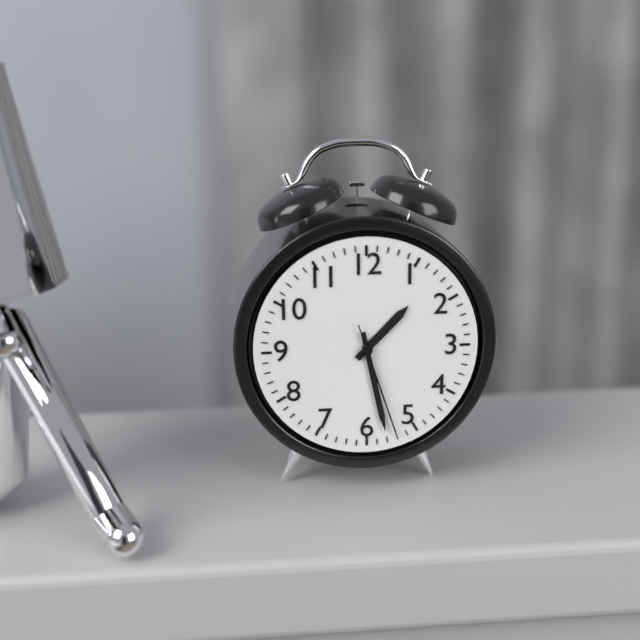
1:28:27
